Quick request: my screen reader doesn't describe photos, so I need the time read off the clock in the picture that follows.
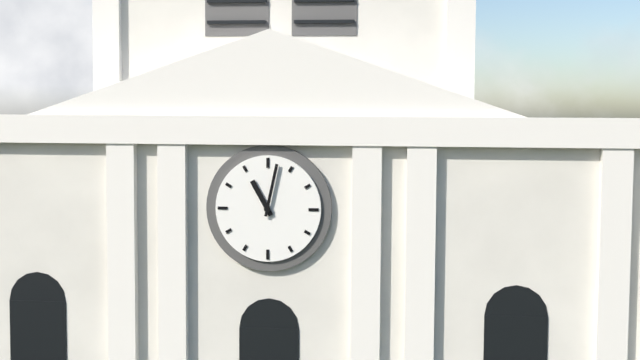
11:02
